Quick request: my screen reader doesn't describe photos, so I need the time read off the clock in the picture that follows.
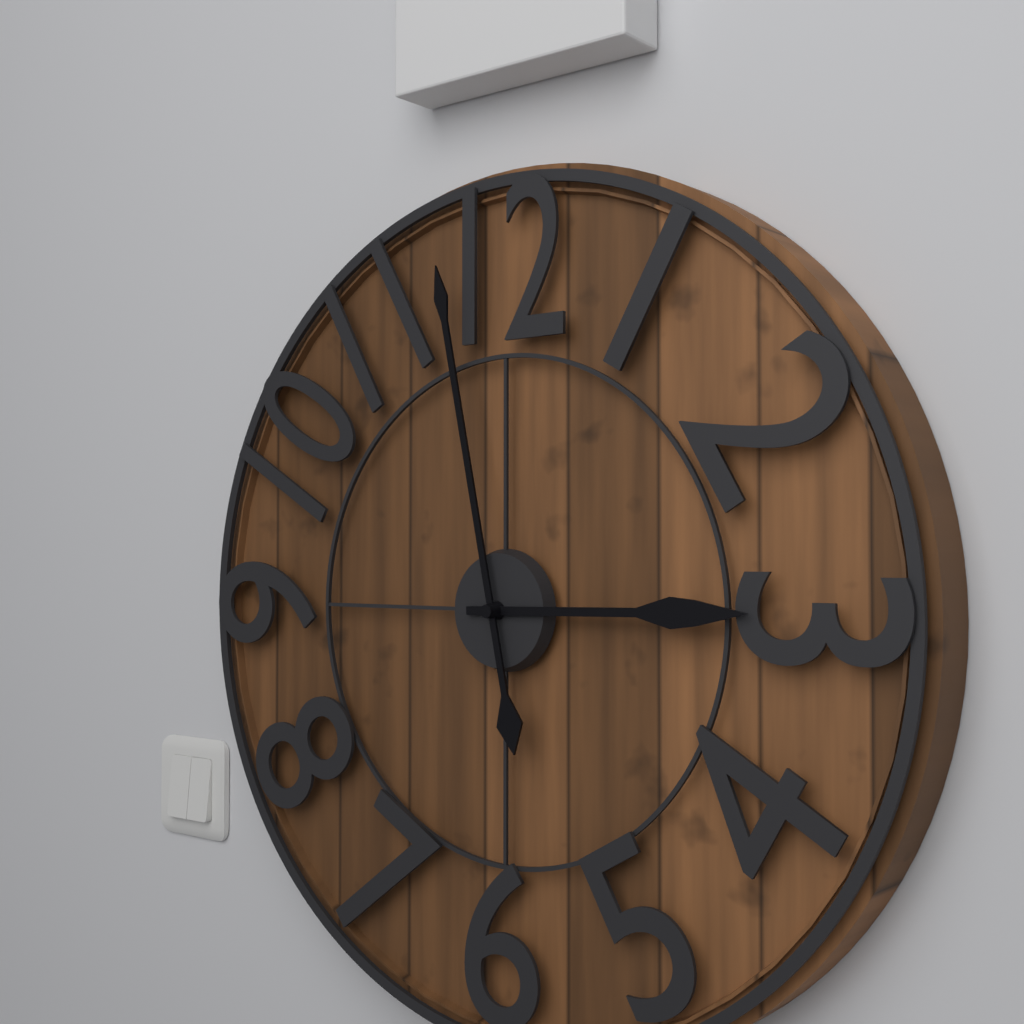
2:58
